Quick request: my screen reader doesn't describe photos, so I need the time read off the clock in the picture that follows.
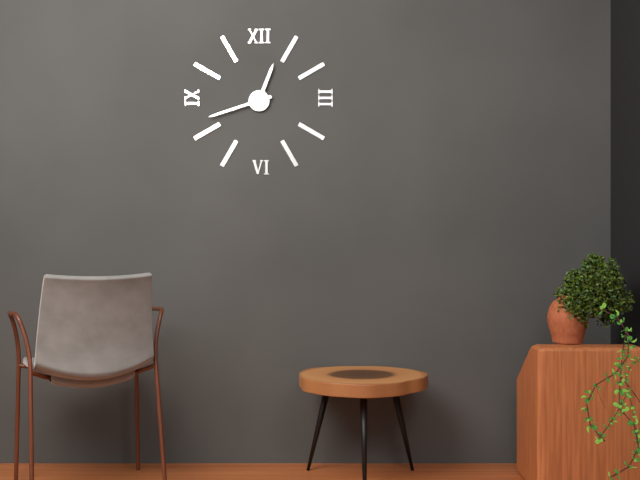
12:42
